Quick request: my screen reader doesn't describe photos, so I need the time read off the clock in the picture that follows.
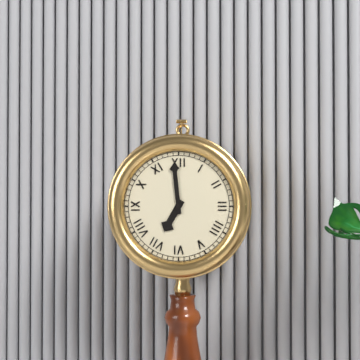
6:59
